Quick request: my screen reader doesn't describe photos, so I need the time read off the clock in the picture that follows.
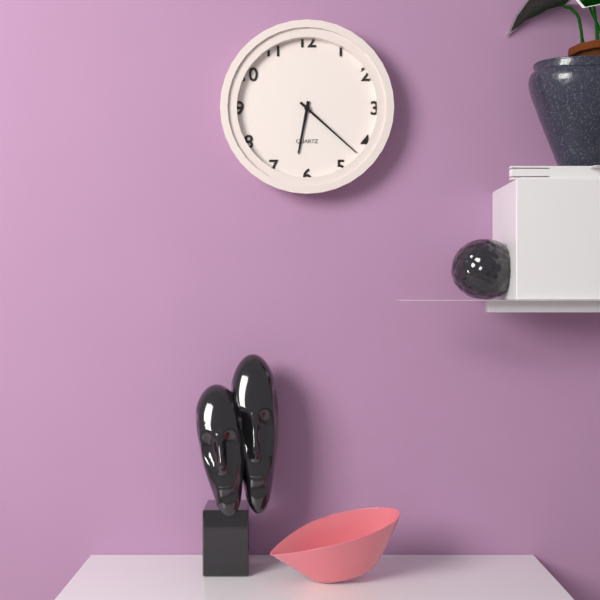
6:22
